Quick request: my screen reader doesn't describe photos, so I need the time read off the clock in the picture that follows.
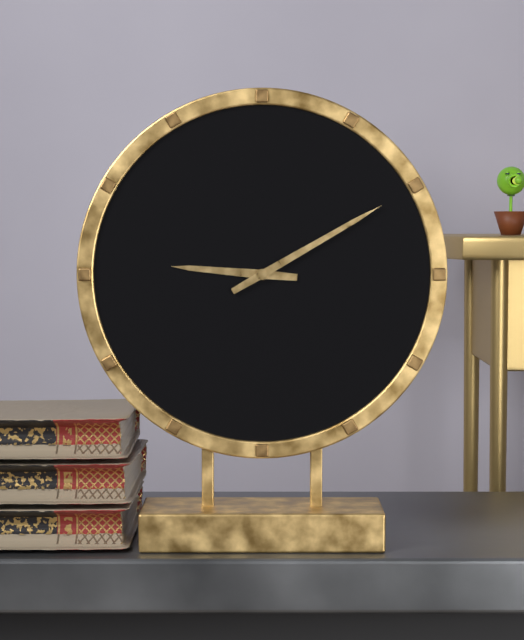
9:10
